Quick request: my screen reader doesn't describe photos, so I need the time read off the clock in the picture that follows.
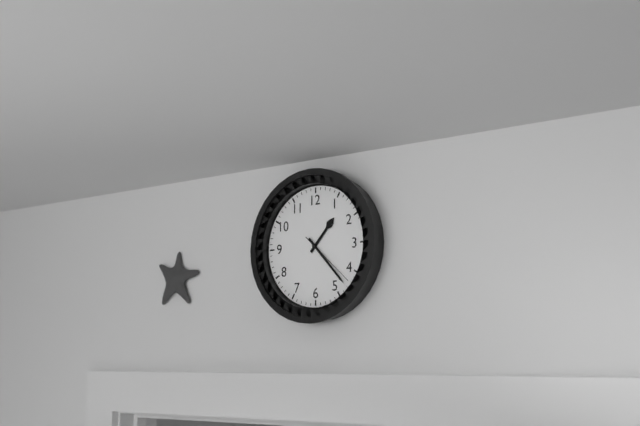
1:23:22
